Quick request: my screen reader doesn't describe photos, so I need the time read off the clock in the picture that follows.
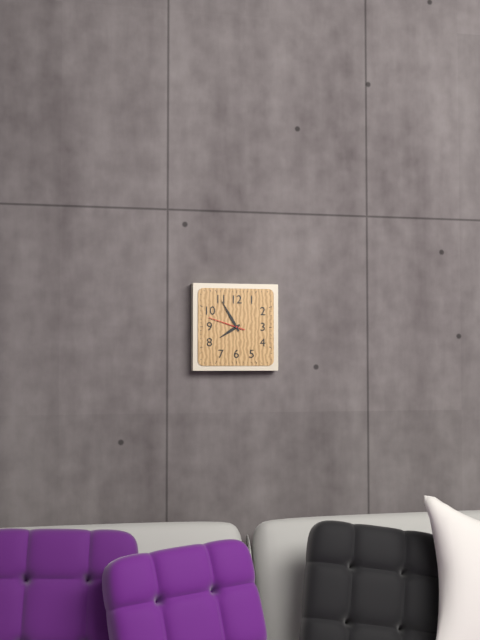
7:55
